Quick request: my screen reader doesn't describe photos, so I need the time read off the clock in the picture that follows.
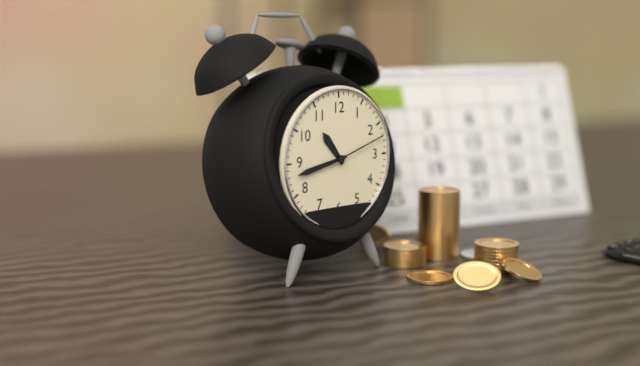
10:43:12
